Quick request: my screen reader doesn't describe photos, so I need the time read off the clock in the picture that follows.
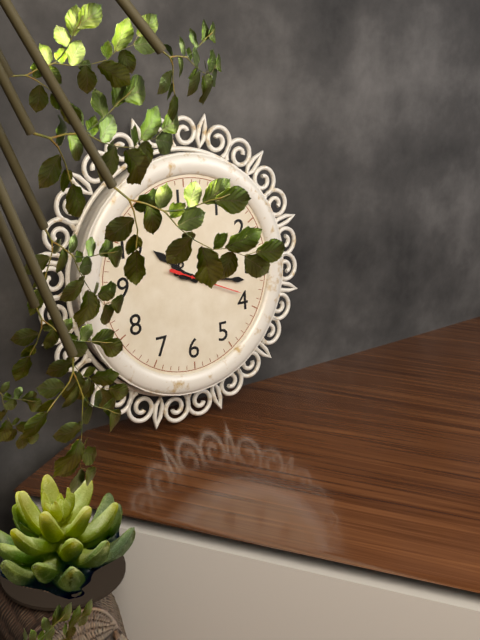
10:17:19
